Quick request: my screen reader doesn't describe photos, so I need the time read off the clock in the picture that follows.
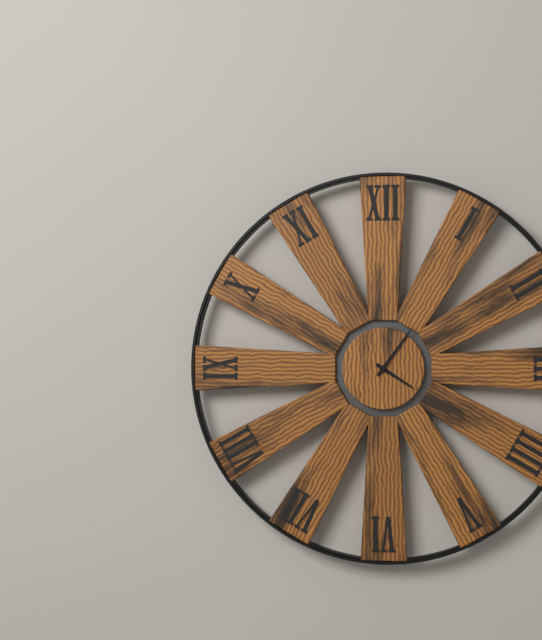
4:06
